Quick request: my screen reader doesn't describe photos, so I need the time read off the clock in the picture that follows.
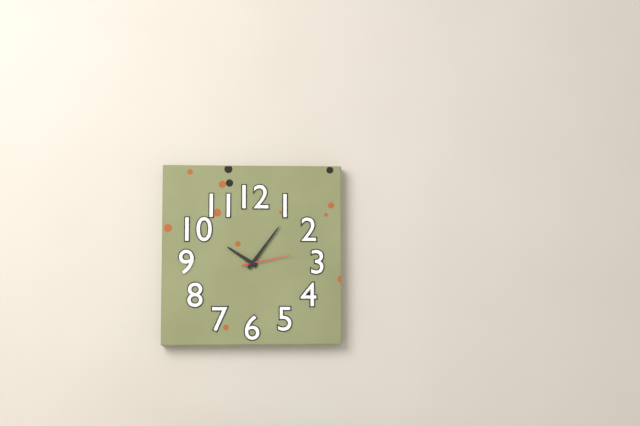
10:06:13
